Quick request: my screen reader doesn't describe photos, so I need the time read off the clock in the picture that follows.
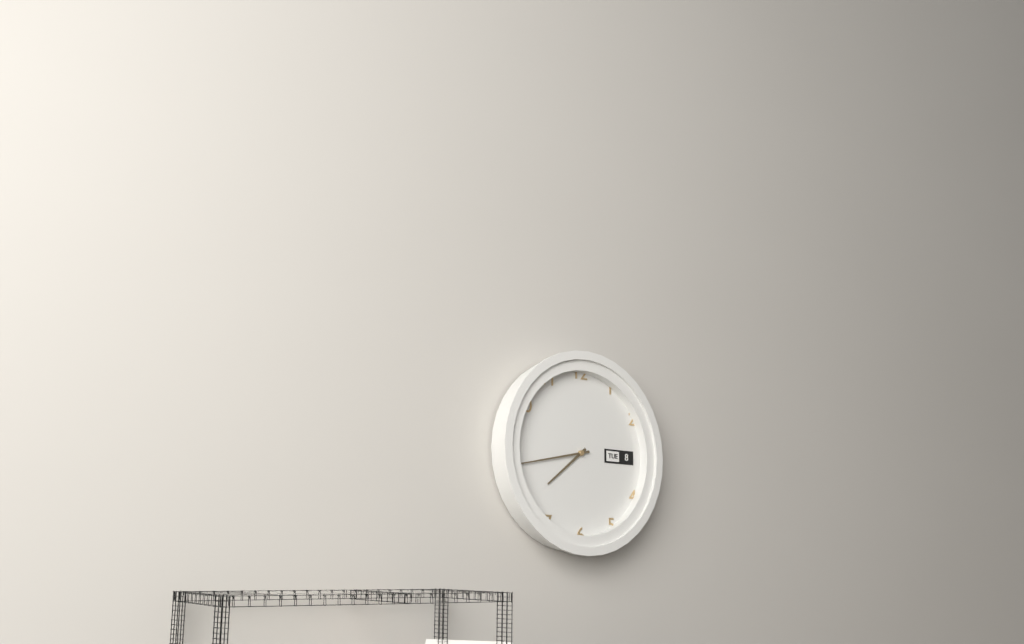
7:43
